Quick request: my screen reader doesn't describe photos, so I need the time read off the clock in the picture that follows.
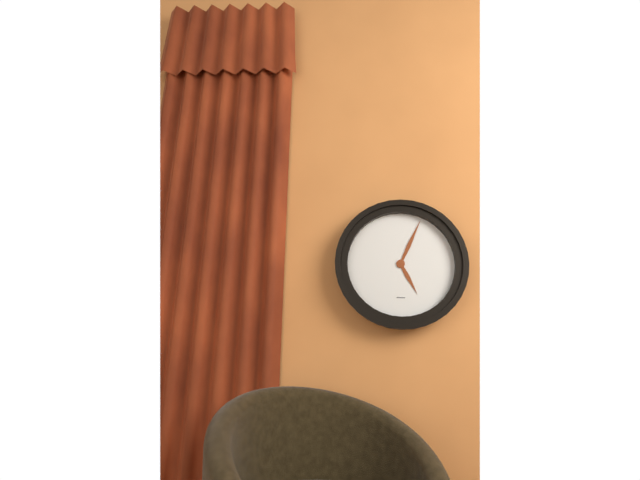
5:04
